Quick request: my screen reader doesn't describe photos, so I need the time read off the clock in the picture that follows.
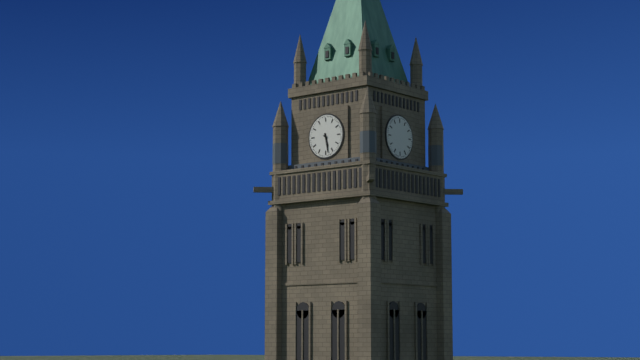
5:28
